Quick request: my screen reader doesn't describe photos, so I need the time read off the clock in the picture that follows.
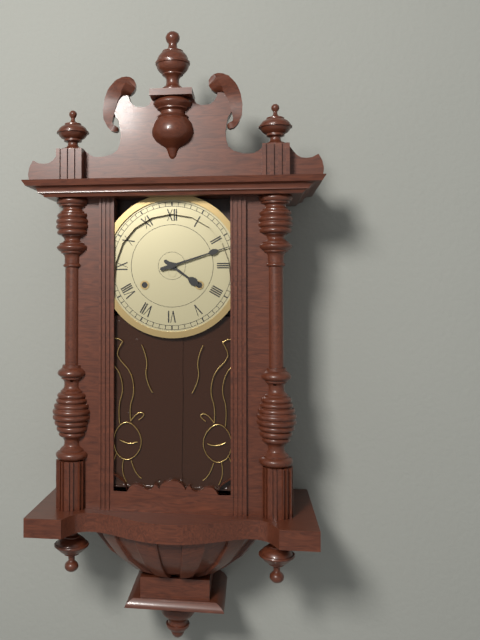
4:12
